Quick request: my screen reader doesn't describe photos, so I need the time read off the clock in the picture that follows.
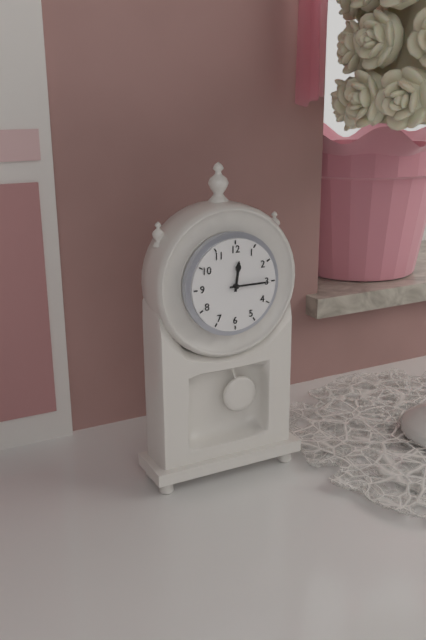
12:15
